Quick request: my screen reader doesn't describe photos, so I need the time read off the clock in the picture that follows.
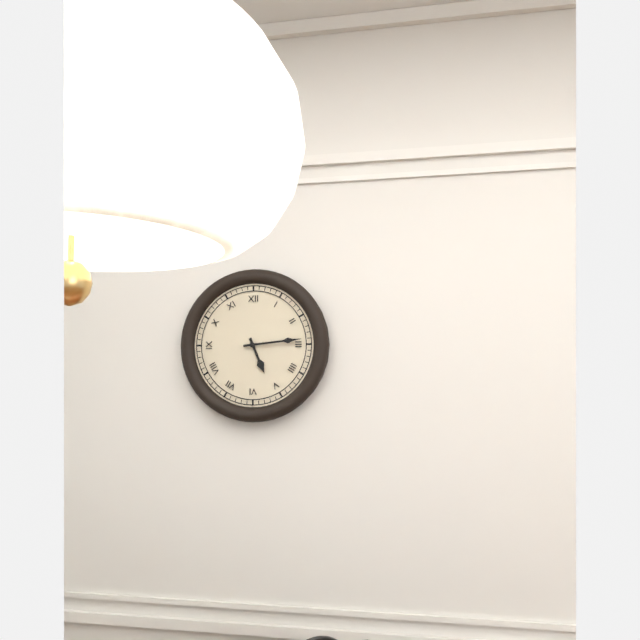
5:14
